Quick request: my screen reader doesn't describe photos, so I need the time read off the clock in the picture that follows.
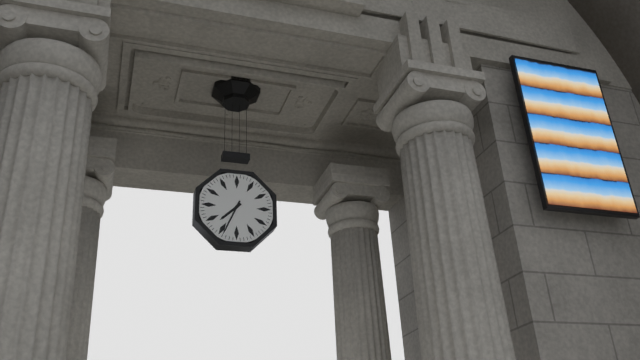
7:34
